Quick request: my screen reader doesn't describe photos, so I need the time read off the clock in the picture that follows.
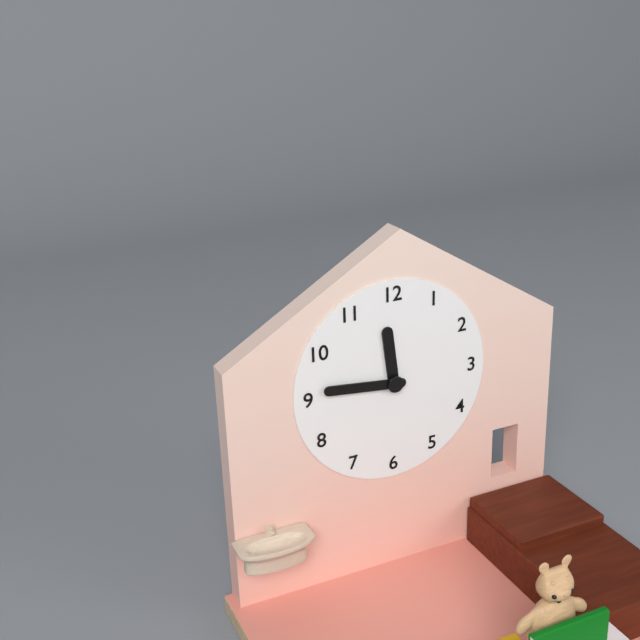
11:46
